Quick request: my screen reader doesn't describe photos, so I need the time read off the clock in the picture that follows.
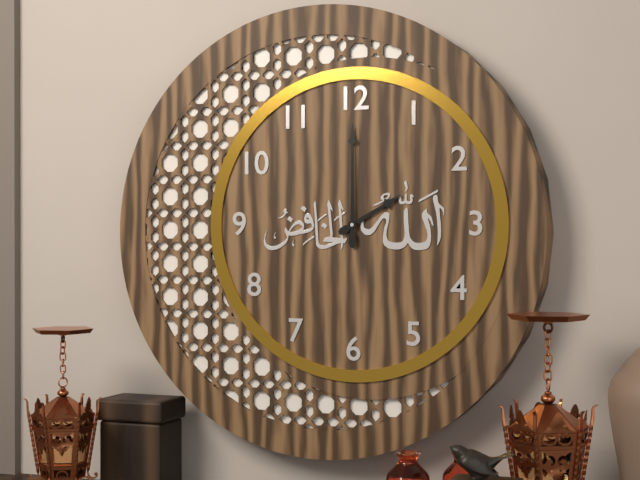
2:00
